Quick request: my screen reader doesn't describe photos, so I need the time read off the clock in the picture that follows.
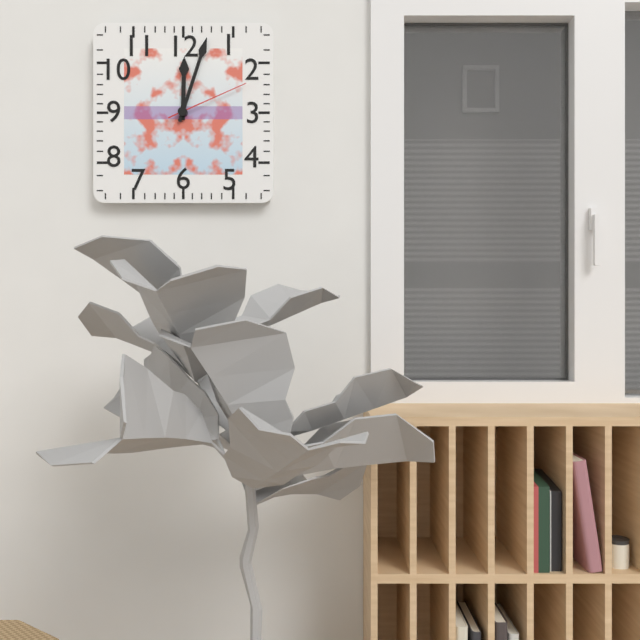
12:03:11
